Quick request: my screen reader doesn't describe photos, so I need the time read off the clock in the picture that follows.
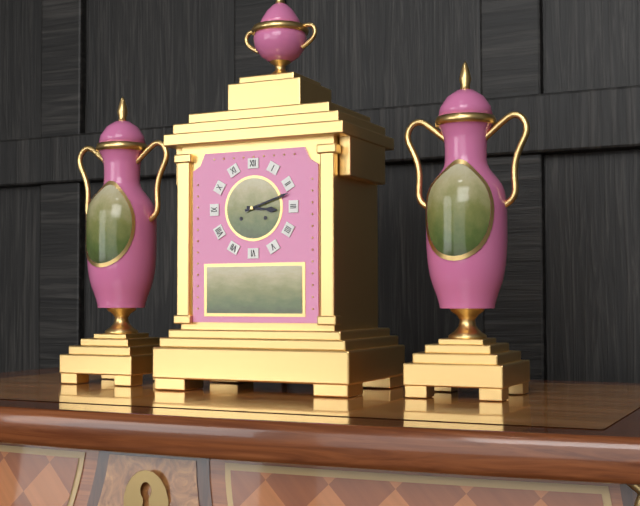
3:12
